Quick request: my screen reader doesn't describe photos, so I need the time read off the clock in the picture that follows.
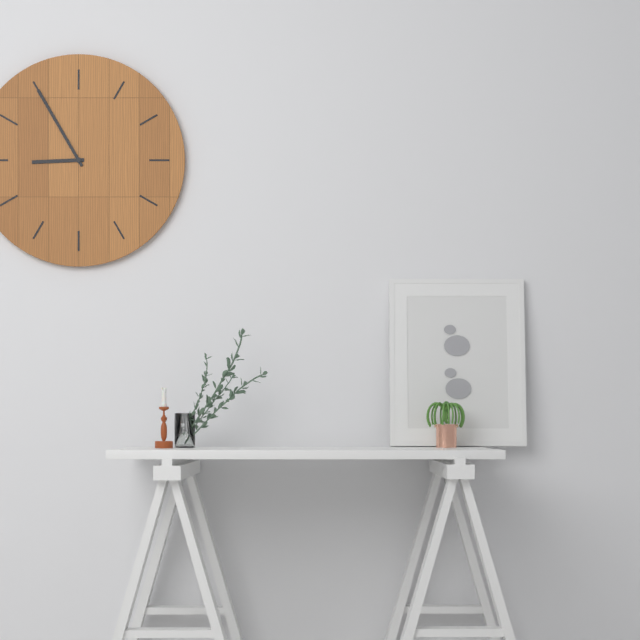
8:55
